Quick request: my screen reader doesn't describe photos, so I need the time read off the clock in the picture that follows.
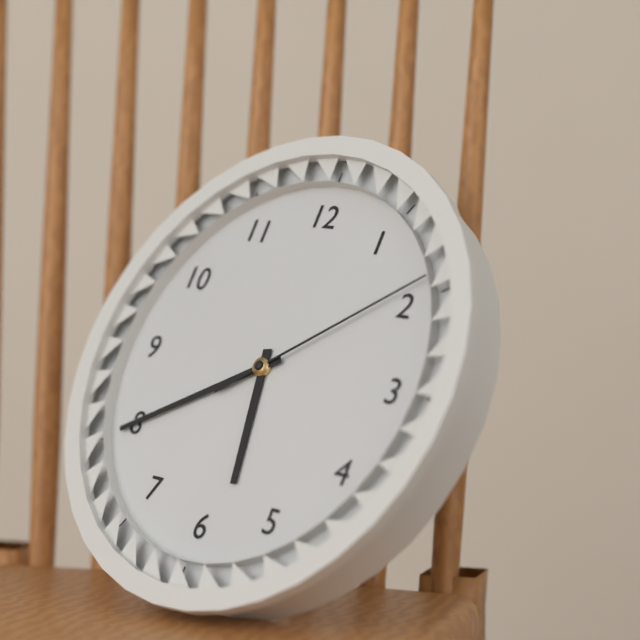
5:40:09
